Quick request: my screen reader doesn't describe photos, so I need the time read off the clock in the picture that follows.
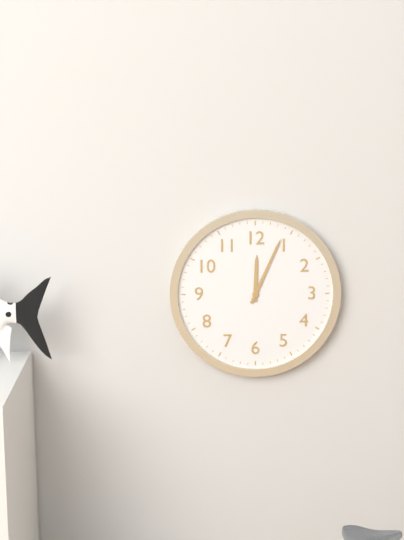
12:04
